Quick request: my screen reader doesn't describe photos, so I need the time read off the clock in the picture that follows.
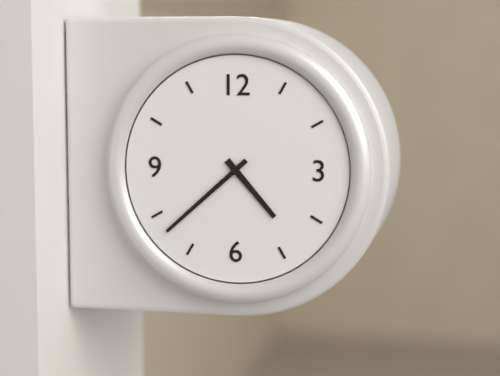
4:38
